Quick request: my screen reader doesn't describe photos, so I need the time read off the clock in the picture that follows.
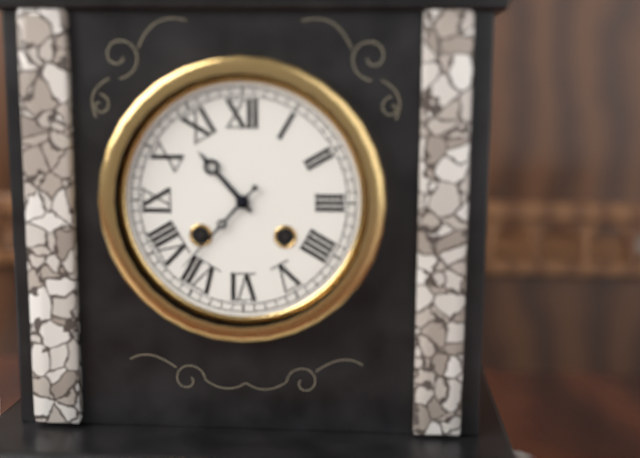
10:37
